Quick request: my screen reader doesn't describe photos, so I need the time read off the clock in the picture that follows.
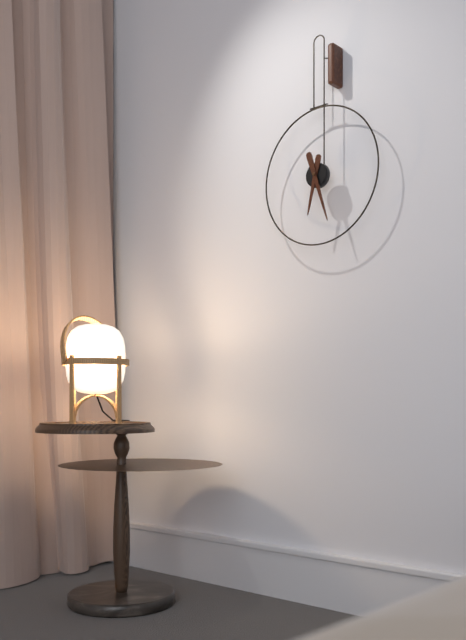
6:27
